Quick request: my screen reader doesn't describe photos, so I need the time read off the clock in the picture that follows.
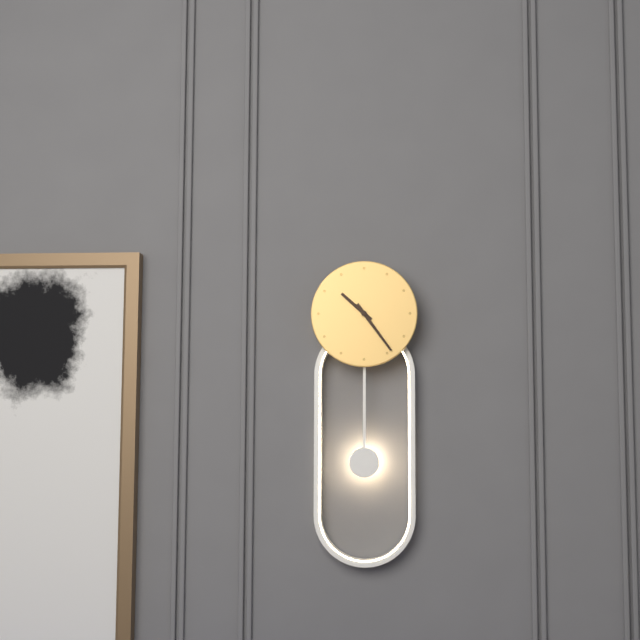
10:24
